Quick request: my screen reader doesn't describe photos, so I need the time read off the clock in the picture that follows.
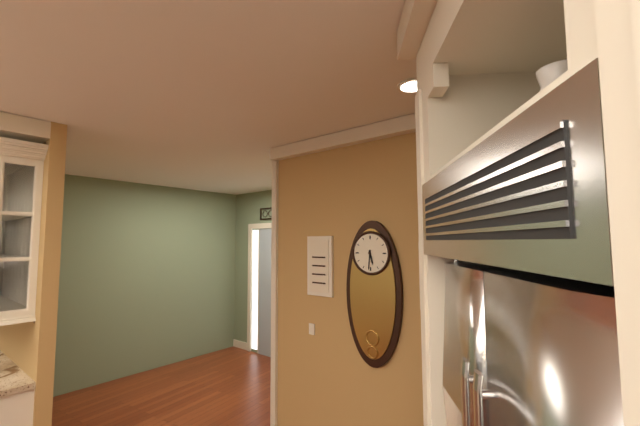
5:31
